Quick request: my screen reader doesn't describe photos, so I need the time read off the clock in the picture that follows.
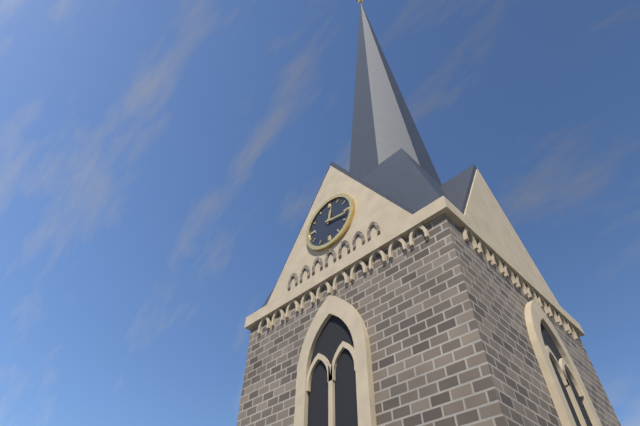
12:17
